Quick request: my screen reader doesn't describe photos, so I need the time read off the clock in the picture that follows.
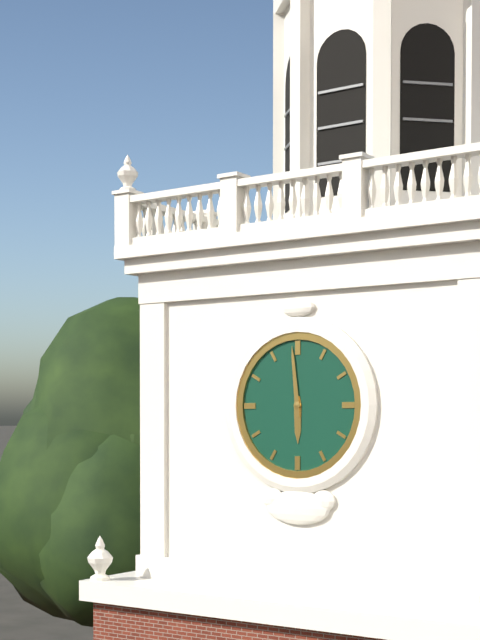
5:59
